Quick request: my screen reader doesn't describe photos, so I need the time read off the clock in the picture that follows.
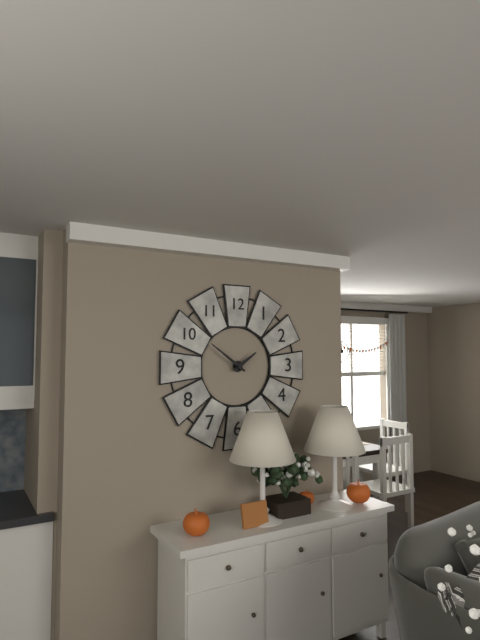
1:51
